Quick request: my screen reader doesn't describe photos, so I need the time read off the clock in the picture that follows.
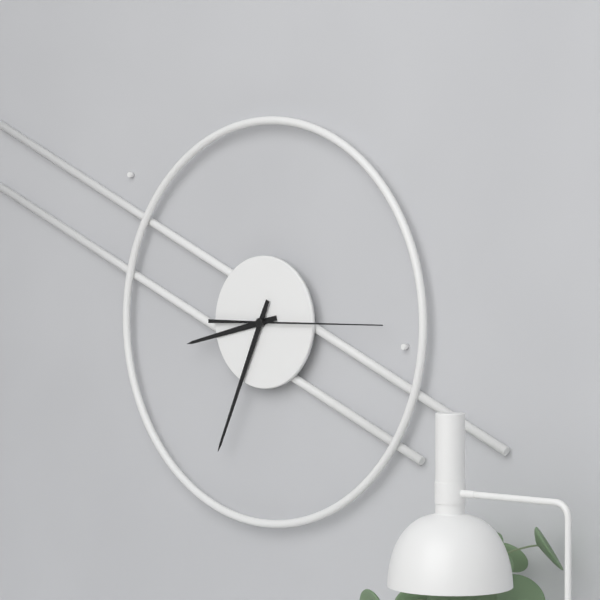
8:34:15
